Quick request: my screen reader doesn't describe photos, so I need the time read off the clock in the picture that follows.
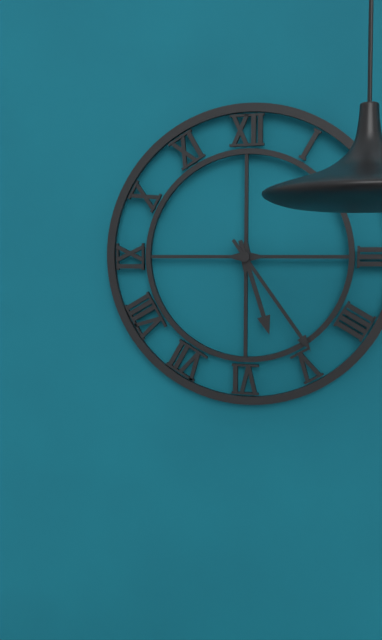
5:24
